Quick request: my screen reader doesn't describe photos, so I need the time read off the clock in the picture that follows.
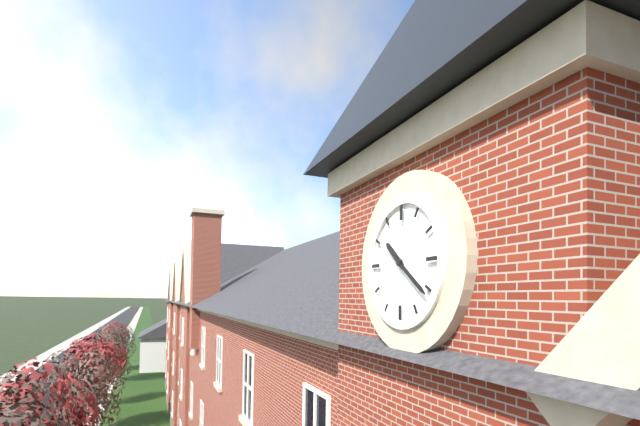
10:21
